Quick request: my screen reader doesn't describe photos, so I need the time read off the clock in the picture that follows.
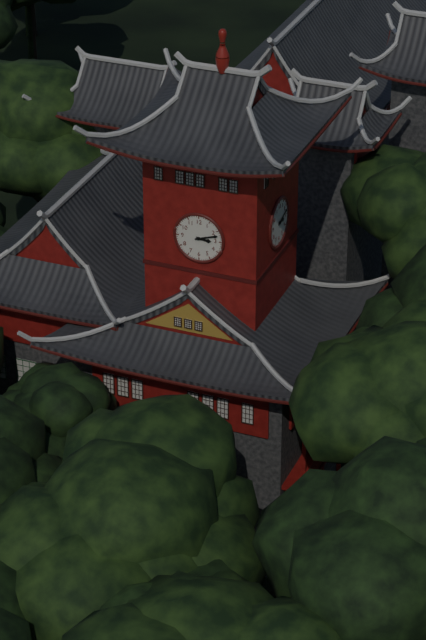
3:12
